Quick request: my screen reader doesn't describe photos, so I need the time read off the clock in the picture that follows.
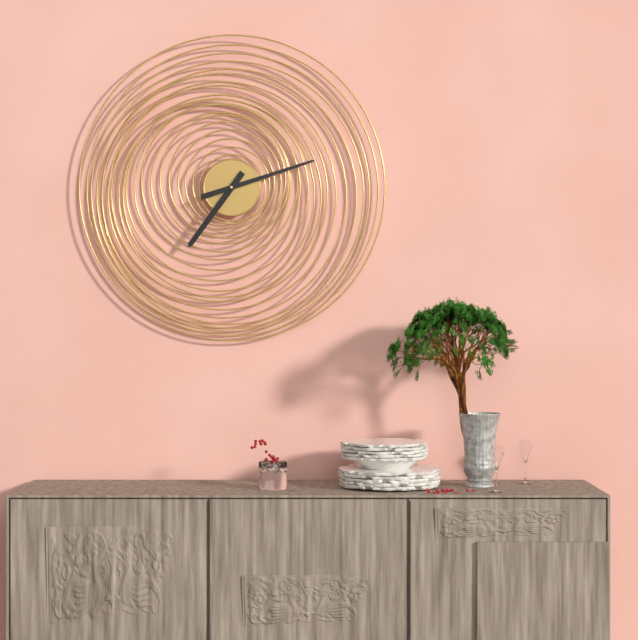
7:12
